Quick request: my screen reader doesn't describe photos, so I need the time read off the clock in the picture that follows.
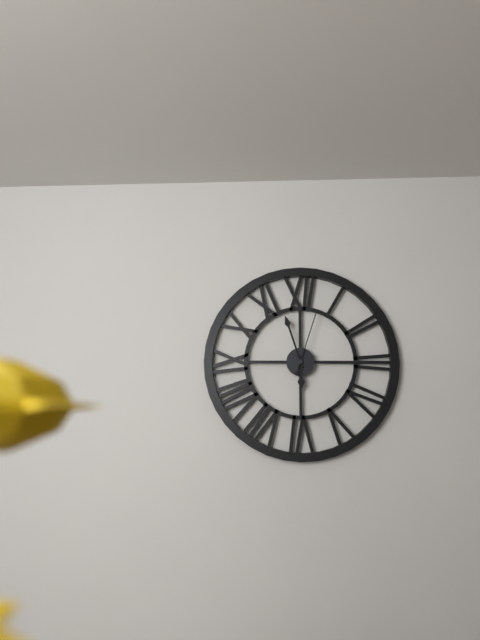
5:57:03
